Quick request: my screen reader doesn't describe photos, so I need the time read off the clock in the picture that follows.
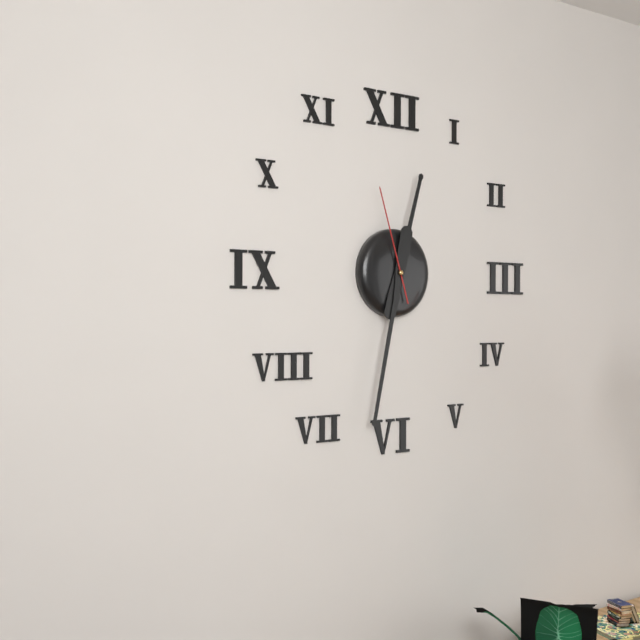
12:32:57
